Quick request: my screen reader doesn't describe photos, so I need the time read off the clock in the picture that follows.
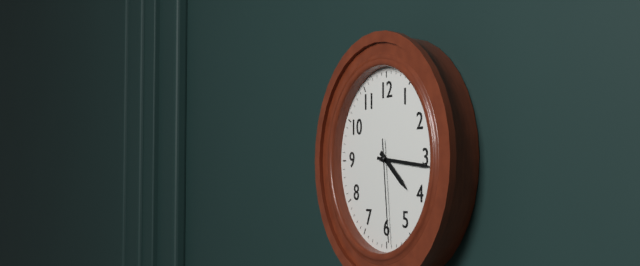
4:16:29
